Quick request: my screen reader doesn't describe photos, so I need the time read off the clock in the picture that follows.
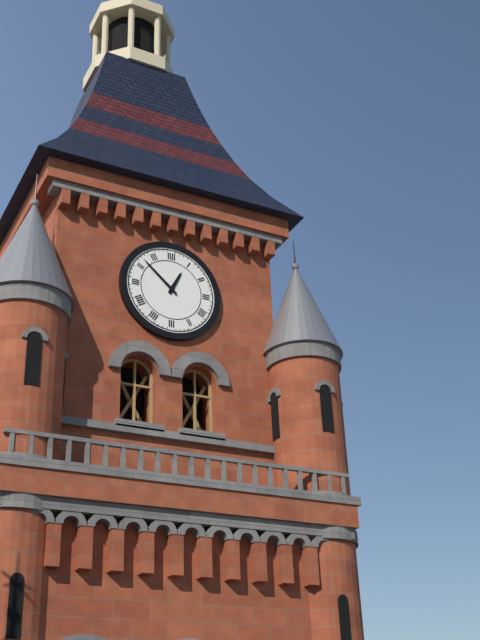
12:52
